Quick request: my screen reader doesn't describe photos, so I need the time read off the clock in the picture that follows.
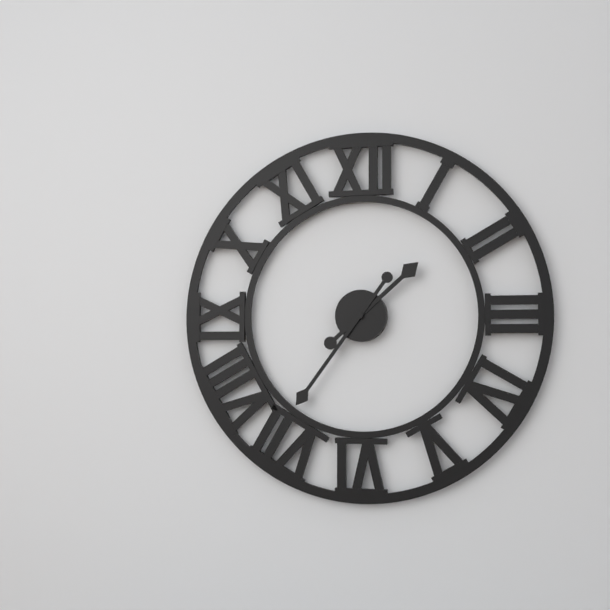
1:36
